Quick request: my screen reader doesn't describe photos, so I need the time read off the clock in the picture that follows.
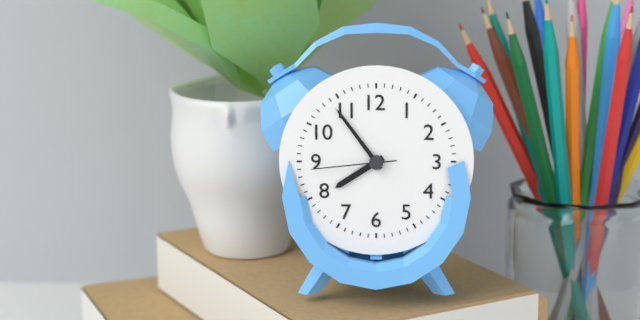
7:54:44
